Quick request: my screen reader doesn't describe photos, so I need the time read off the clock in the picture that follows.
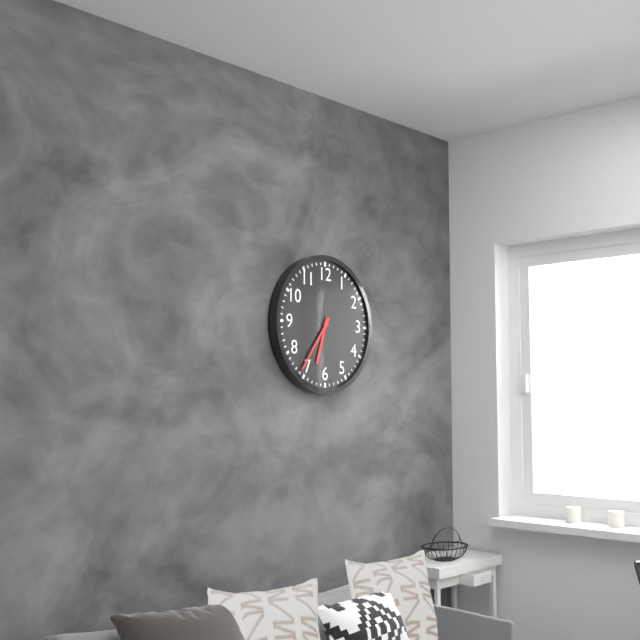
6:36
